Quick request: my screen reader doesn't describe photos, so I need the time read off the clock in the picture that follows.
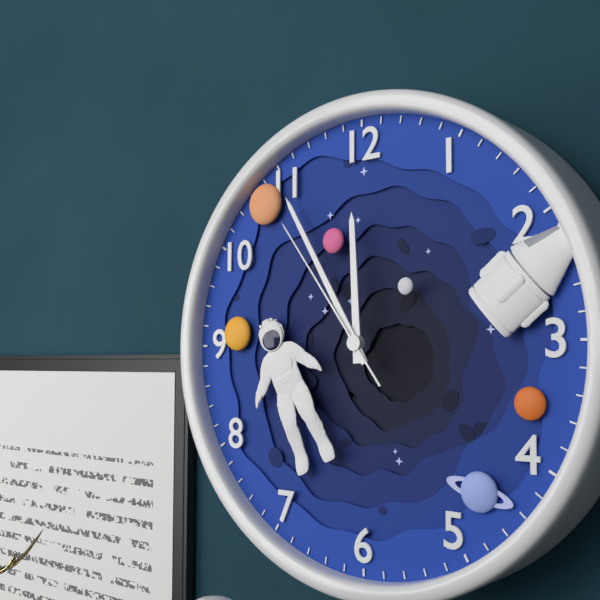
11:55:54
